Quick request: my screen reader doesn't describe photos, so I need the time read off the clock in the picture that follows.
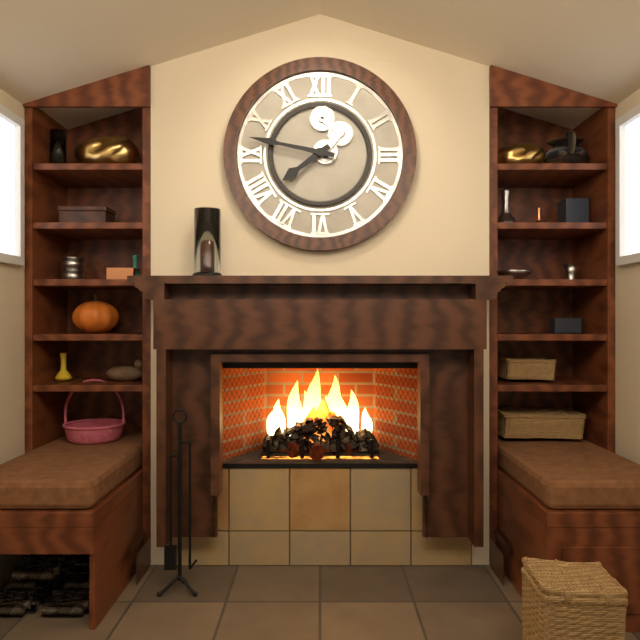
7:47
